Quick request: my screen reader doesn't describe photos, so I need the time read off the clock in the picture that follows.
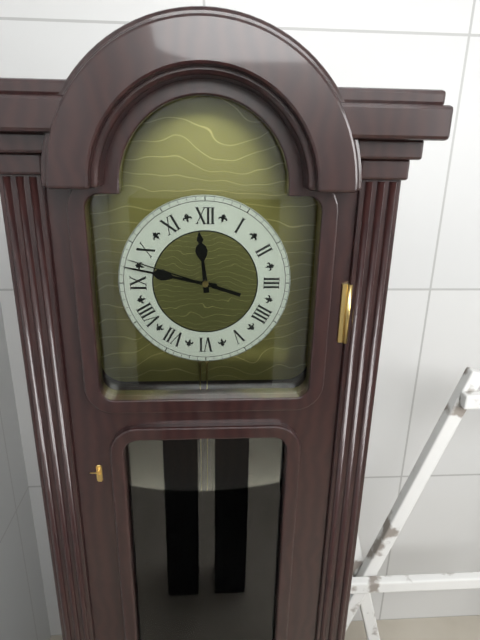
11:47:48
